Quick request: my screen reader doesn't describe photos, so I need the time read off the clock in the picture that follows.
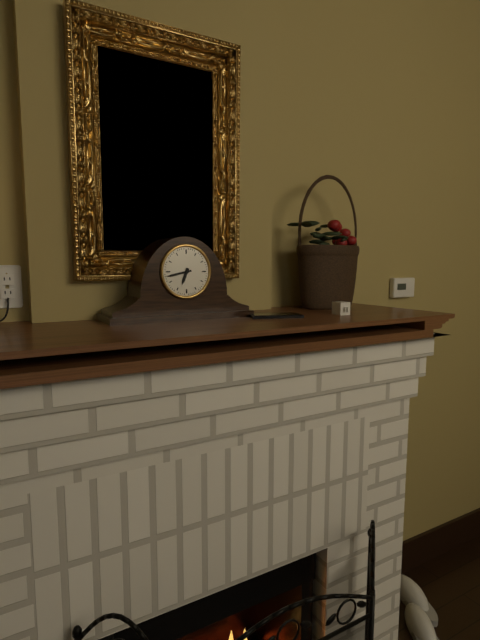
6:43
